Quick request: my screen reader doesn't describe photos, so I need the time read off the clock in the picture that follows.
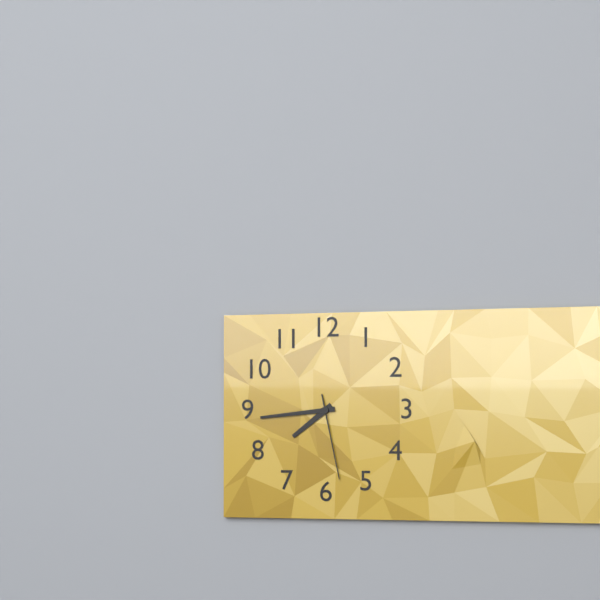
7:44:28
